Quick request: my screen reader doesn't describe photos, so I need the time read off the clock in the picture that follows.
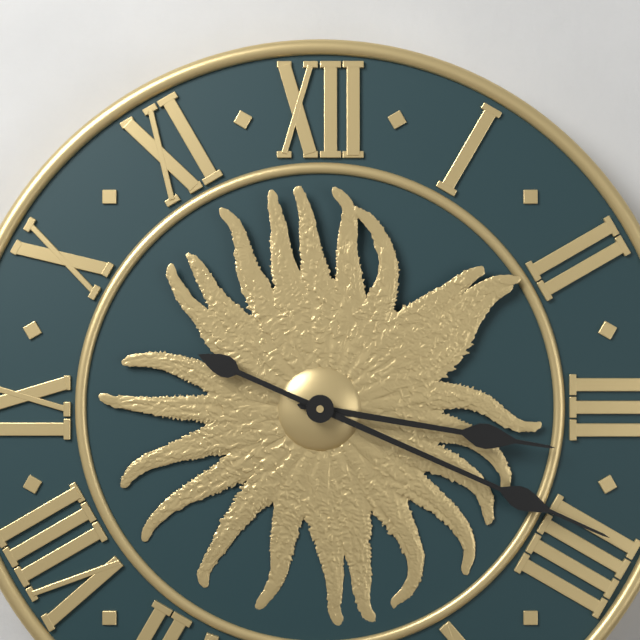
3:19
